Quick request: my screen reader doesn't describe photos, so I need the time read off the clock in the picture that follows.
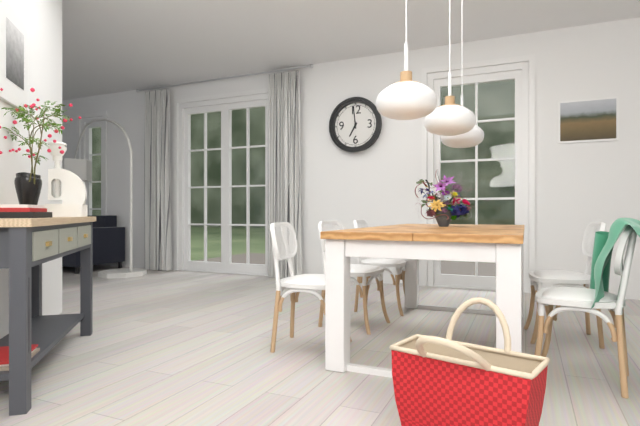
6:59
